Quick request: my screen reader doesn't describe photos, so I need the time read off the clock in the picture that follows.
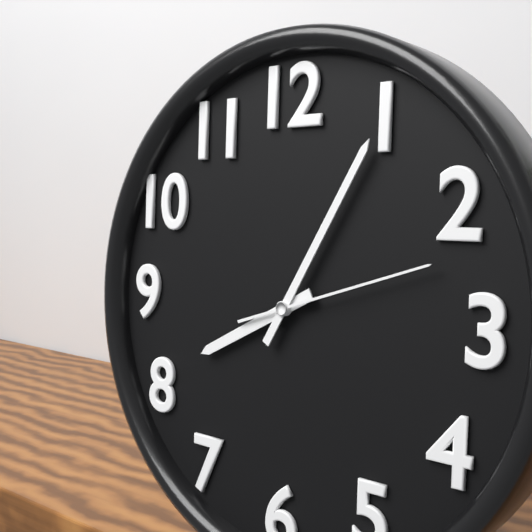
8:05:12
